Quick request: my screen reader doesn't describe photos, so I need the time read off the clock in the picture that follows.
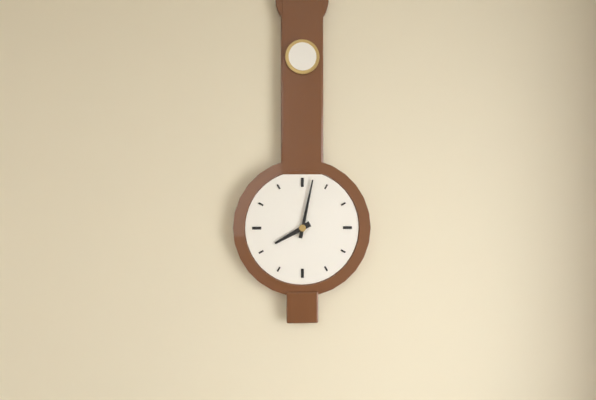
8:02
